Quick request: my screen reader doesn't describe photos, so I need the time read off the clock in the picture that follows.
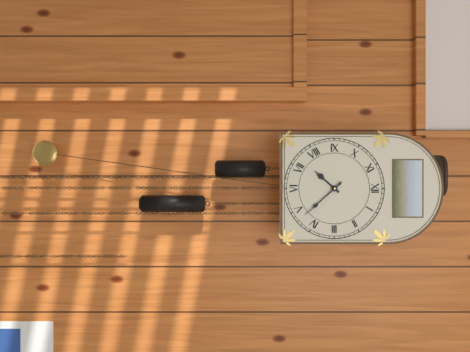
7:23
